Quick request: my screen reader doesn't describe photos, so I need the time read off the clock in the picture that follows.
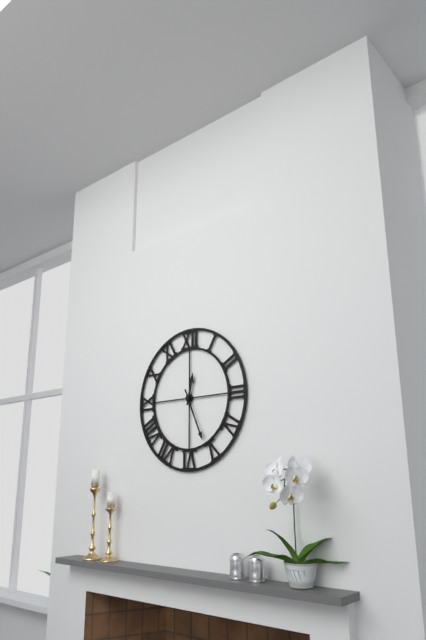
12:26
